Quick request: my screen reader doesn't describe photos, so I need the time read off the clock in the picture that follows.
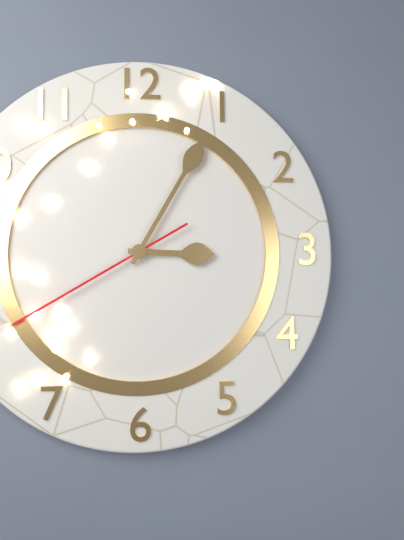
3:05:40
